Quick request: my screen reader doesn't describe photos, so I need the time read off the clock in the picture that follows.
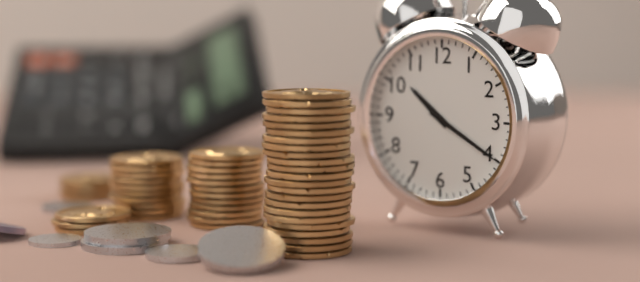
10:20
